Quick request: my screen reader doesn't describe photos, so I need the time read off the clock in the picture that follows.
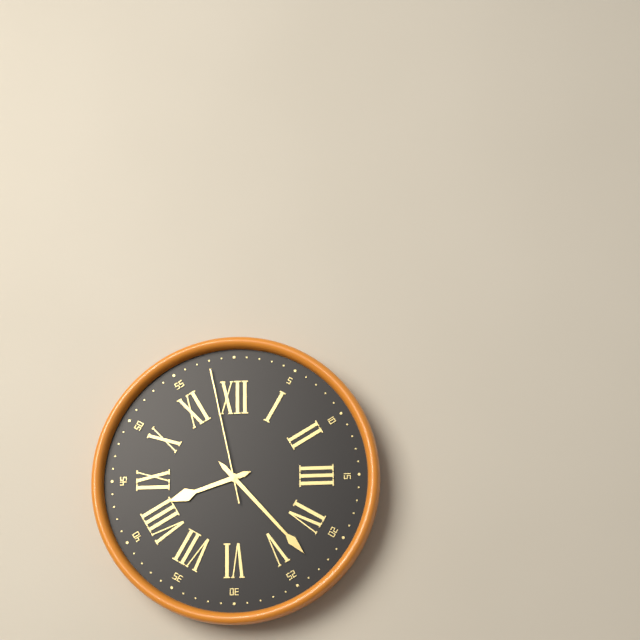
8:23:58
